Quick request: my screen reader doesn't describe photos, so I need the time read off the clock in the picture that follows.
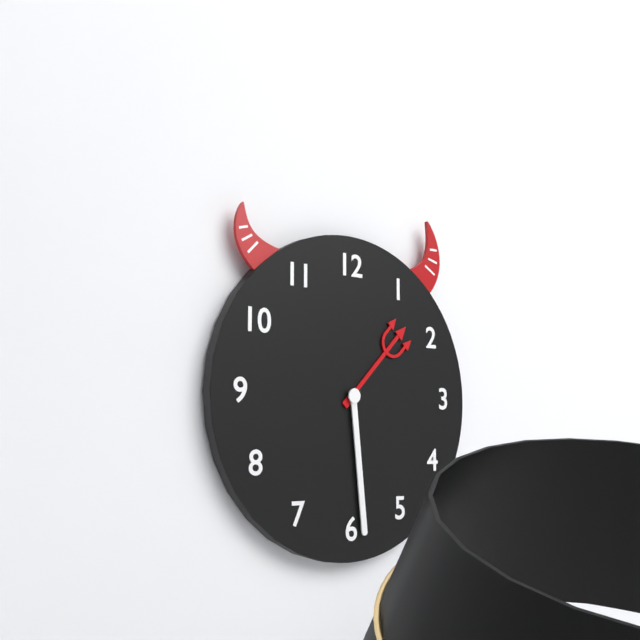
1:29
